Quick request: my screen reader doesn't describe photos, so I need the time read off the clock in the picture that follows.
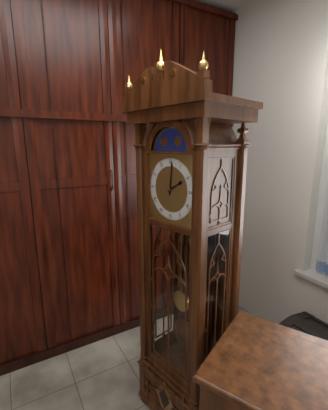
2:01
